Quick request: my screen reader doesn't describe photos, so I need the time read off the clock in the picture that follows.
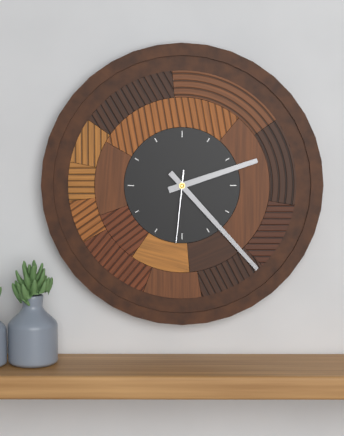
2:23:31
